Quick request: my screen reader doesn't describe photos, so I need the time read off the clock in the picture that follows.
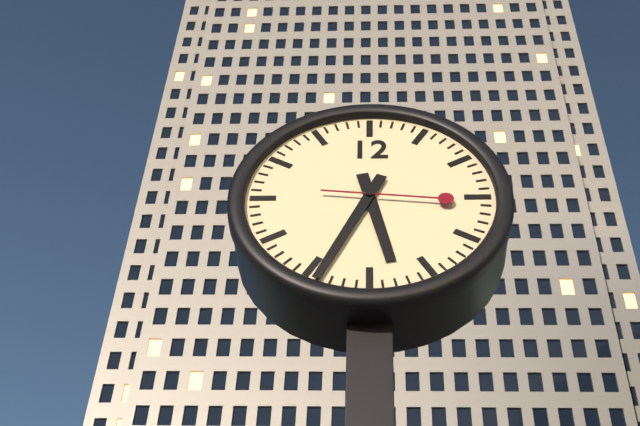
5:34:16
